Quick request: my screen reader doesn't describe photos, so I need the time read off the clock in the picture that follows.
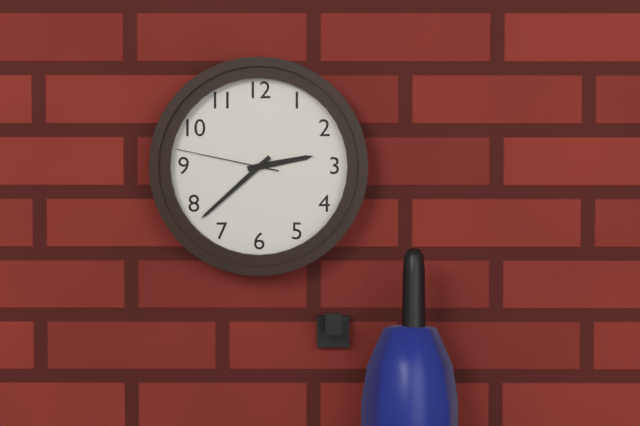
2:38:47
